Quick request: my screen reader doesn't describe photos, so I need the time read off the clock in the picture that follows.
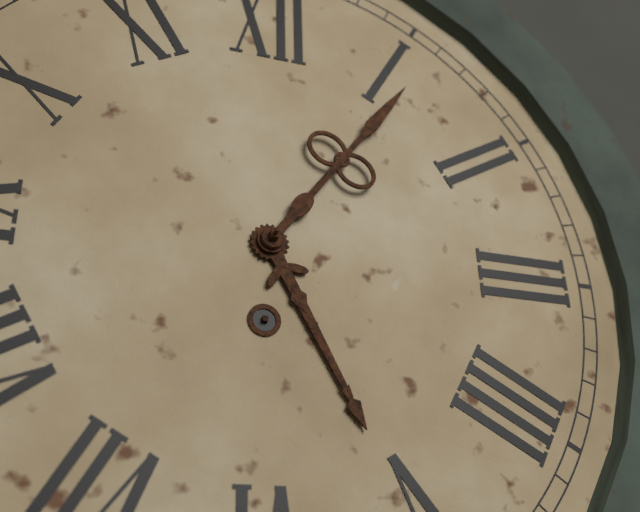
5:06
